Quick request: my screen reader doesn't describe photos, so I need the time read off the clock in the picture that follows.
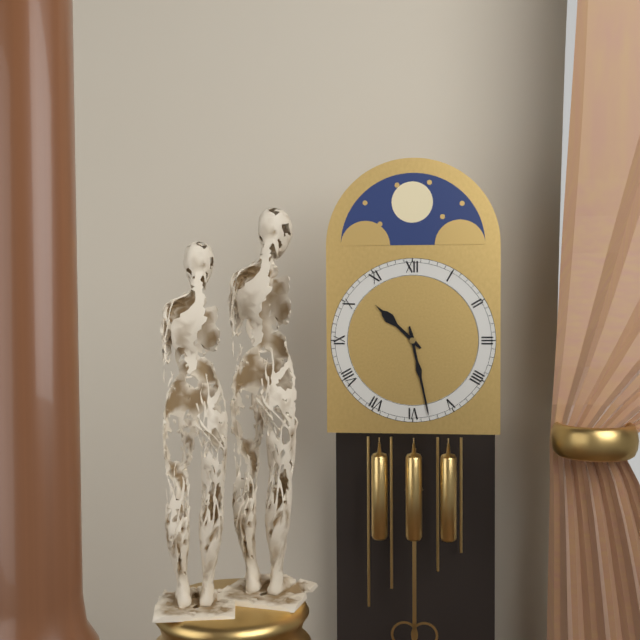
10:28
